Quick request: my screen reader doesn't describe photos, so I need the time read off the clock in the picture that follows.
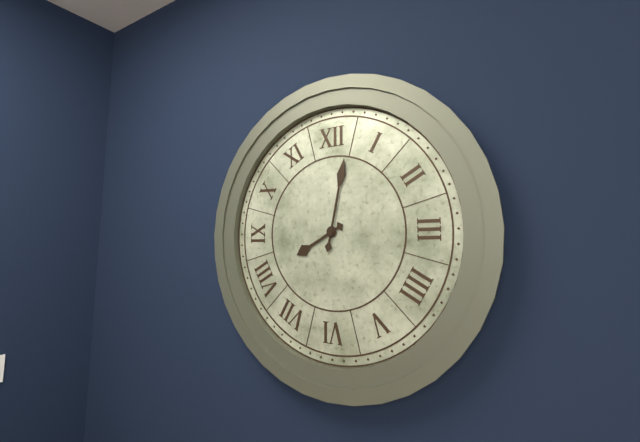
8:02
